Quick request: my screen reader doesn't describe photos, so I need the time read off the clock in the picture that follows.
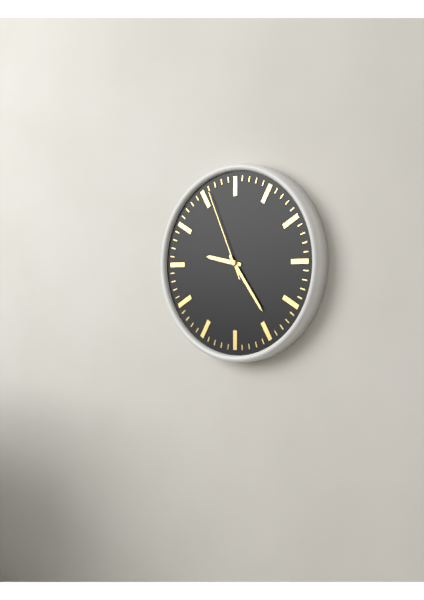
9:24:56
